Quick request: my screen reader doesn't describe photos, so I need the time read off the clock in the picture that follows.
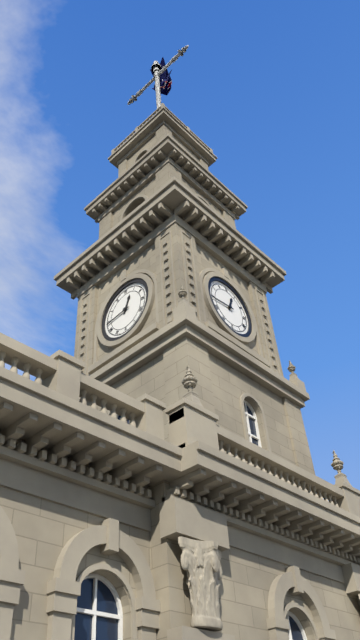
12:44
